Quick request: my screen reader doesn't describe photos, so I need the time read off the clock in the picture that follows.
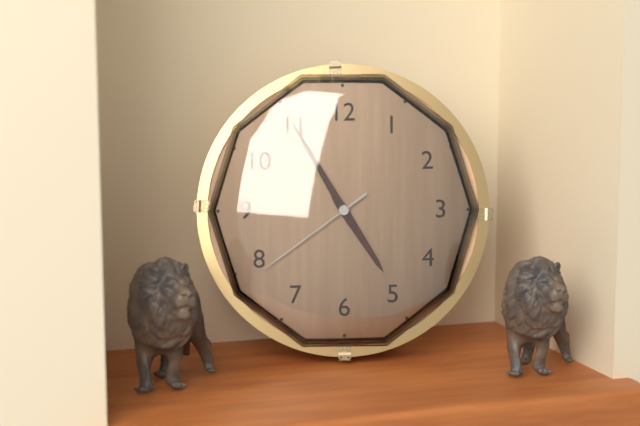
4:55:39
